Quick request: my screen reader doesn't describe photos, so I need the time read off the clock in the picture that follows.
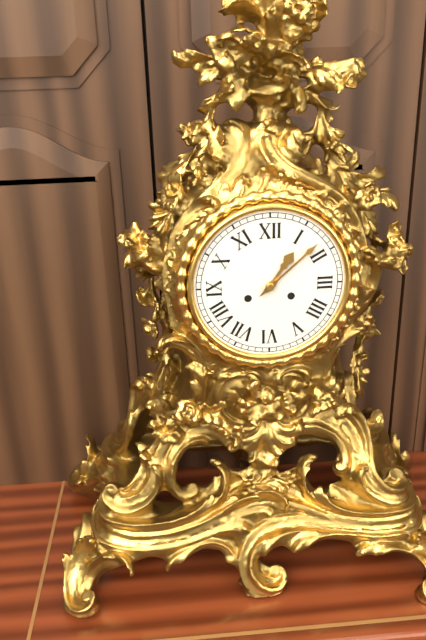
1:08
